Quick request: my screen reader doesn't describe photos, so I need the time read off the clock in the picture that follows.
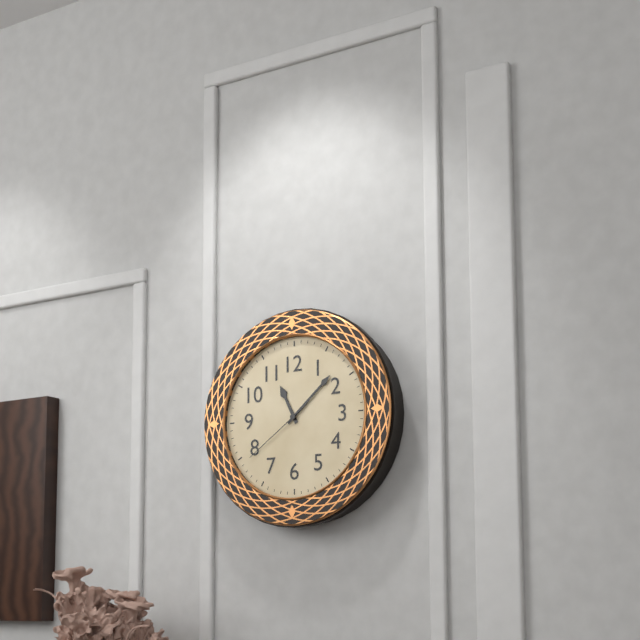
11:08:39
